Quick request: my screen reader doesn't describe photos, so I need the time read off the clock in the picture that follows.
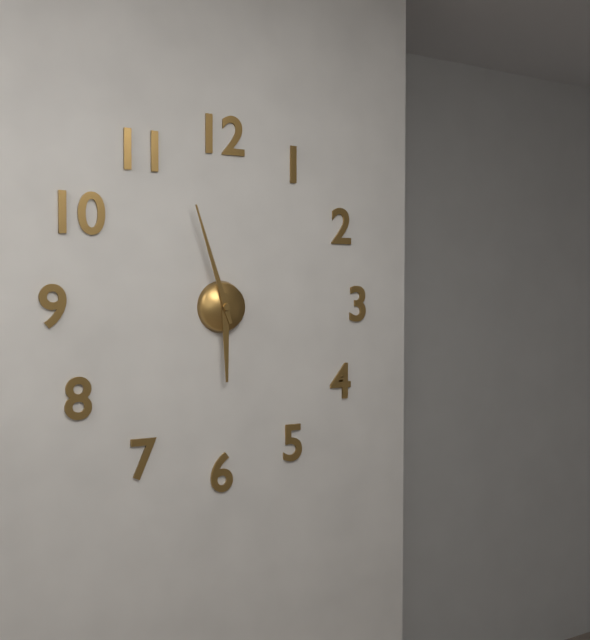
5:57
